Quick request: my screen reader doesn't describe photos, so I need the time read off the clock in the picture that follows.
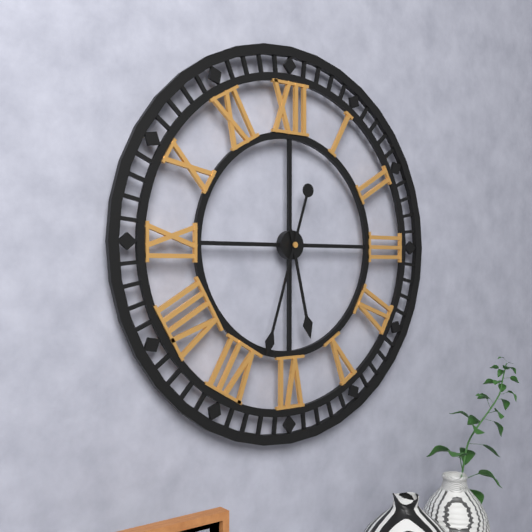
5:33
